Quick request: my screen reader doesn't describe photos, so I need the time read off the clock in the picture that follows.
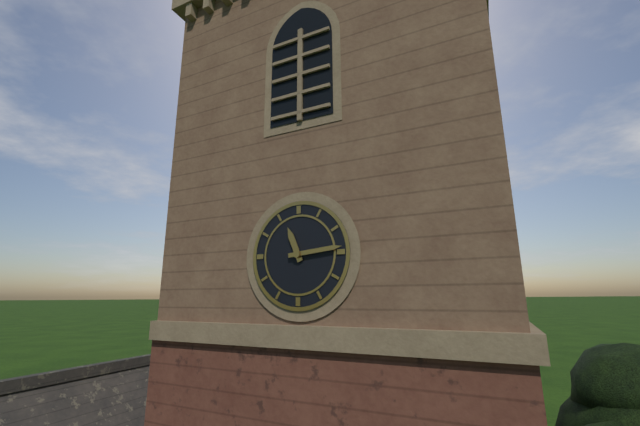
11:14
